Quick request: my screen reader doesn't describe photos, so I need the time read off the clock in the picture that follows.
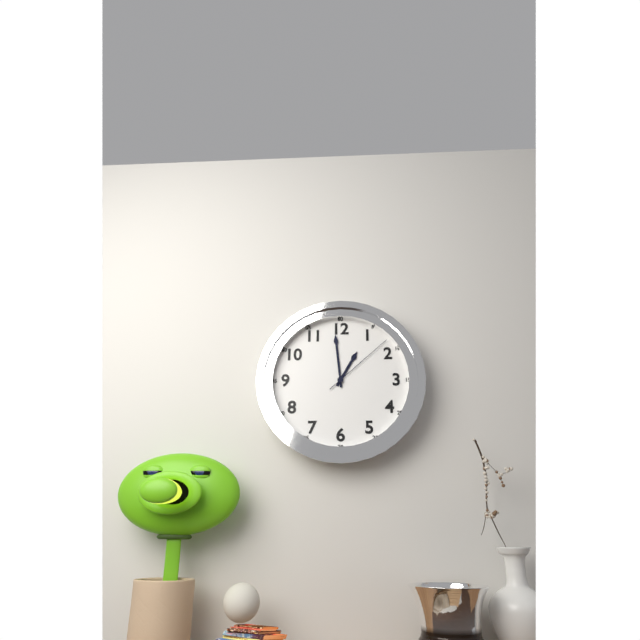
12:59:08
